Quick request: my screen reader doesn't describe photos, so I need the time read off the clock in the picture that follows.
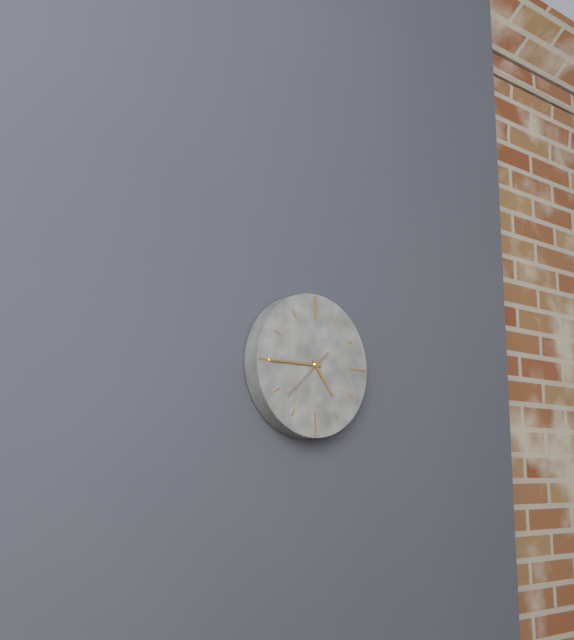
4:45
